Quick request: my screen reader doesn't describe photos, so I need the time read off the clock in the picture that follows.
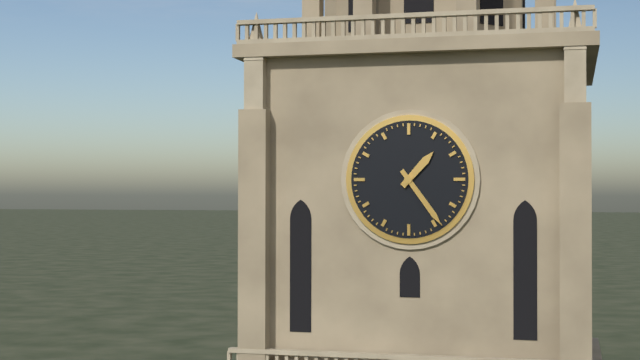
1:24
